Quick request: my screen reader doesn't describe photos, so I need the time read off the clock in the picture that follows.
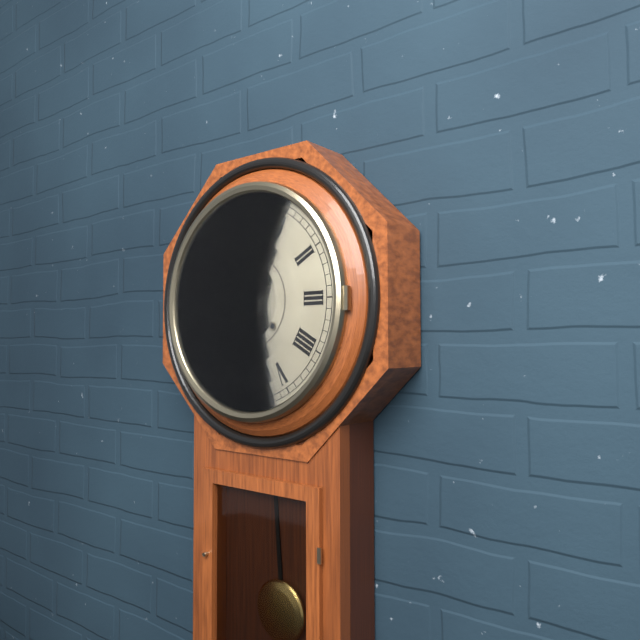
5:36
